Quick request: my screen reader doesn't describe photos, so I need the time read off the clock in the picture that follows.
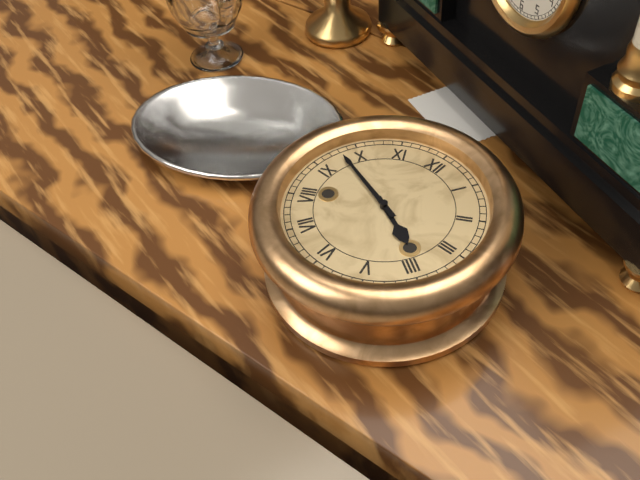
3:48
